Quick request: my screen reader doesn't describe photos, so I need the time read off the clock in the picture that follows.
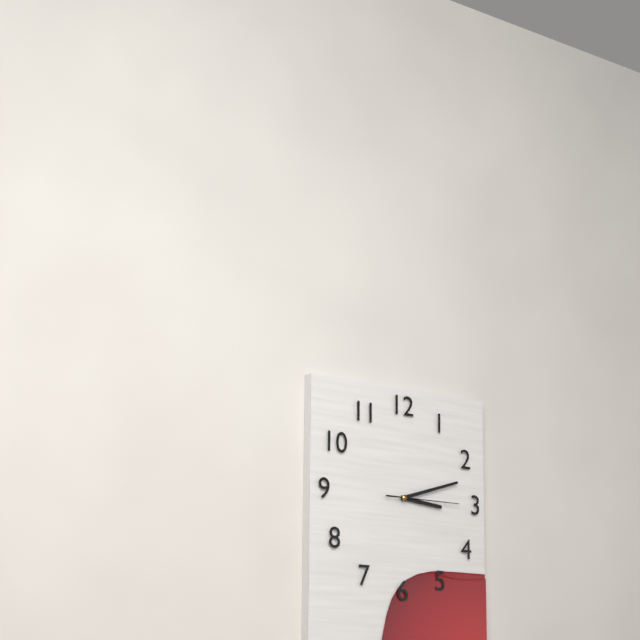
3:12:15
